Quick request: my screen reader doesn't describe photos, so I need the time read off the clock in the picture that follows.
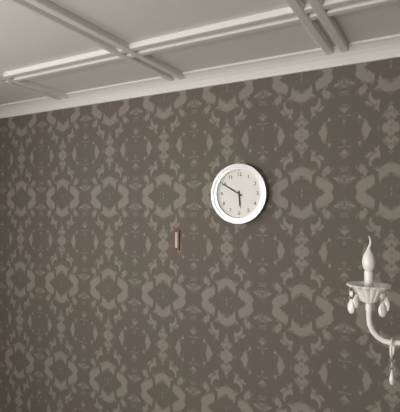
5:50
